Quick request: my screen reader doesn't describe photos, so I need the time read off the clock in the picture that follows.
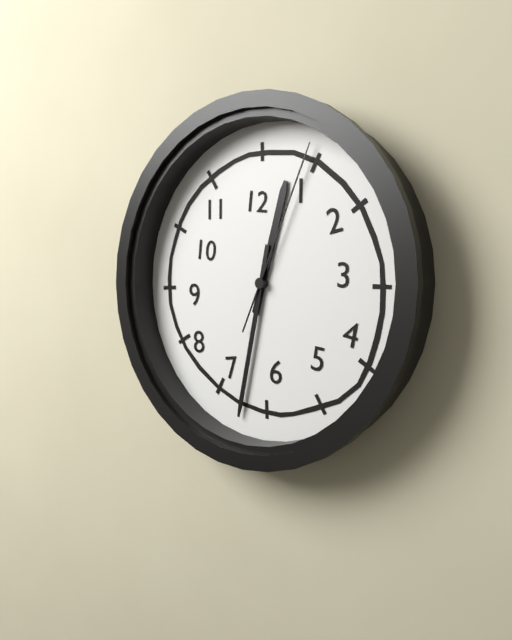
12:32:04
